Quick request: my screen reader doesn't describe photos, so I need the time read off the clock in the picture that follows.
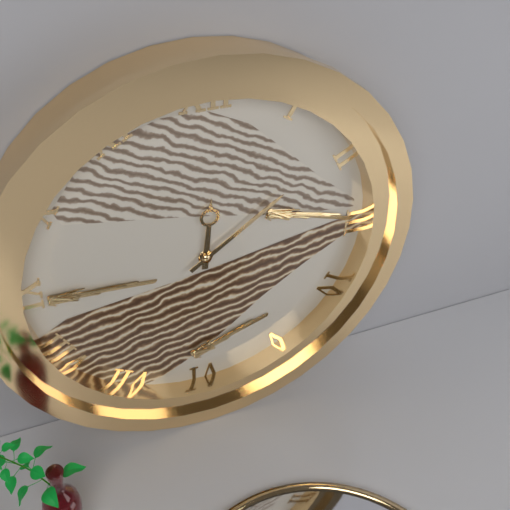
12:09
